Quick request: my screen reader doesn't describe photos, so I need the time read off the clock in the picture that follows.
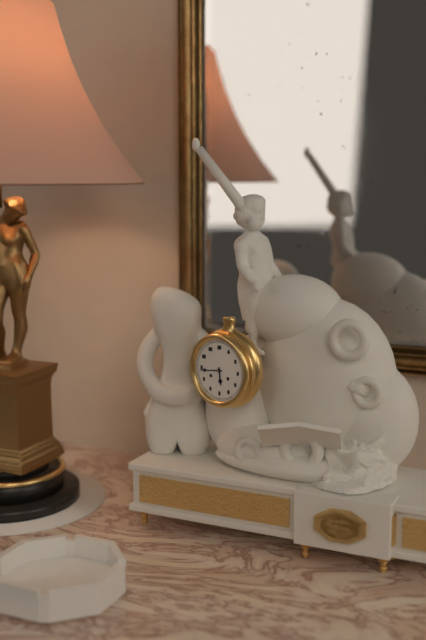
5:44
